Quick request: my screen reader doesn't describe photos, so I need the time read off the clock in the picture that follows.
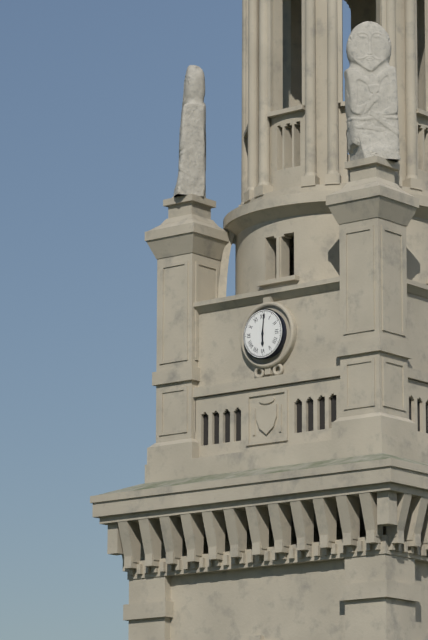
6:01
